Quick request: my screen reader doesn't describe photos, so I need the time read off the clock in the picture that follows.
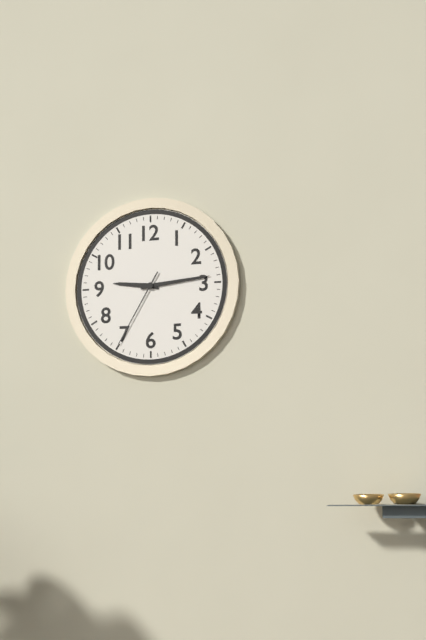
9:14:35
